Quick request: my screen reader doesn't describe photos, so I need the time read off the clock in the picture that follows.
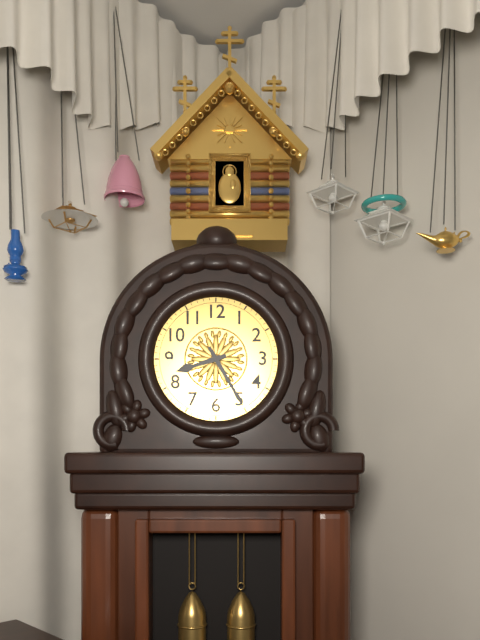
8:25
